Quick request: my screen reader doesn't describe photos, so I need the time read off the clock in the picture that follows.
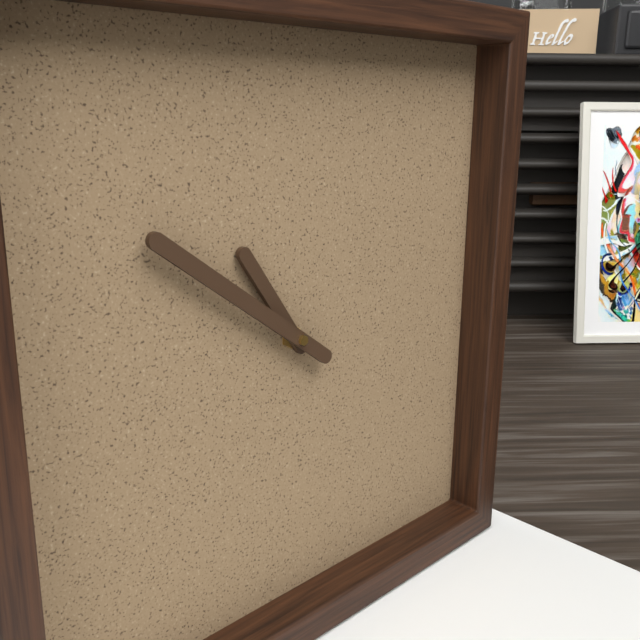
10:51
